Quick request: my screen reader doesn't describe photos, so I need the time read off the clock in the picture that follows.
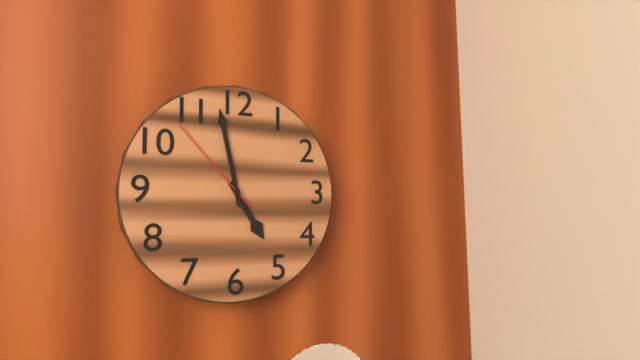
4:58:53
